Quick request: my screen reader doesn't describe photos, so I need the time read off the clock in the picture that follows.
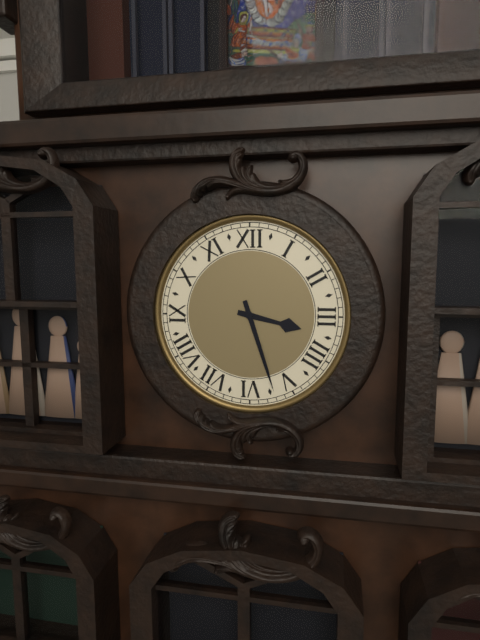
3:27
